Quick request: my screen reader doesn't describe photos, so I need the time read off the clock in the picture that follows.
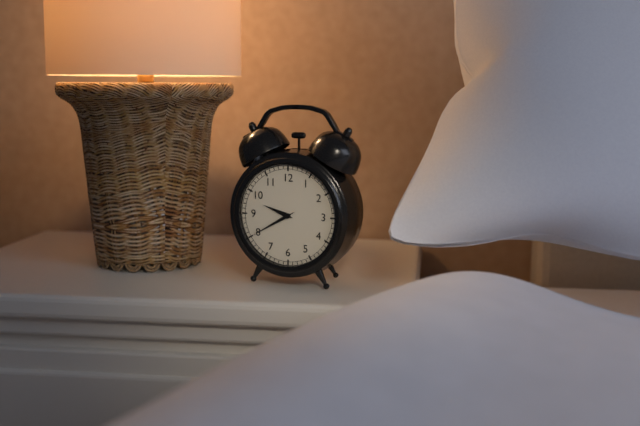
9:40
